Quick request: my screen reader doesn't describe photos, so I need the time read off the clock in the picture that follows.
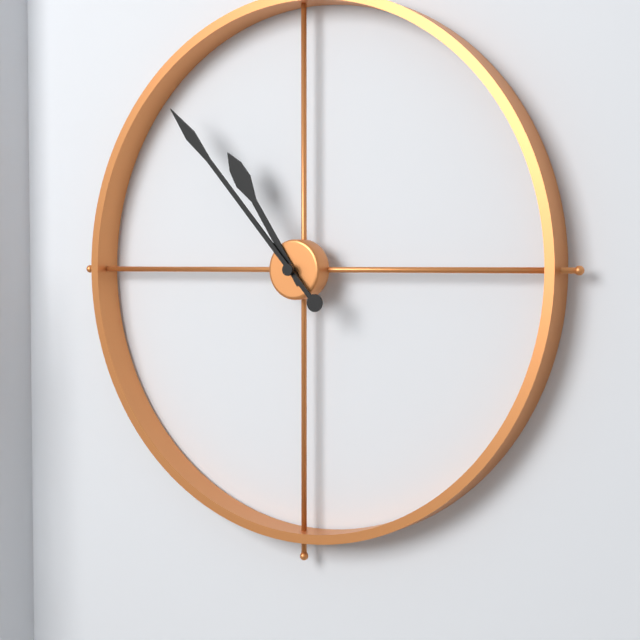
10:53
